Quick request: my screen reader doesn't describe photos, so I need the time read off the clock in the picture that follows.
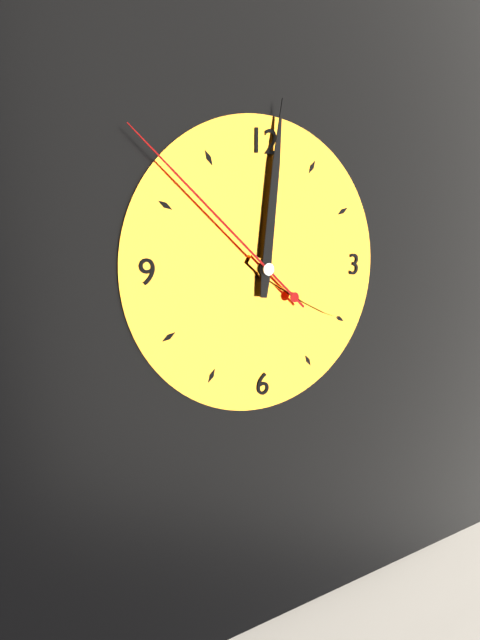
4:01:52
